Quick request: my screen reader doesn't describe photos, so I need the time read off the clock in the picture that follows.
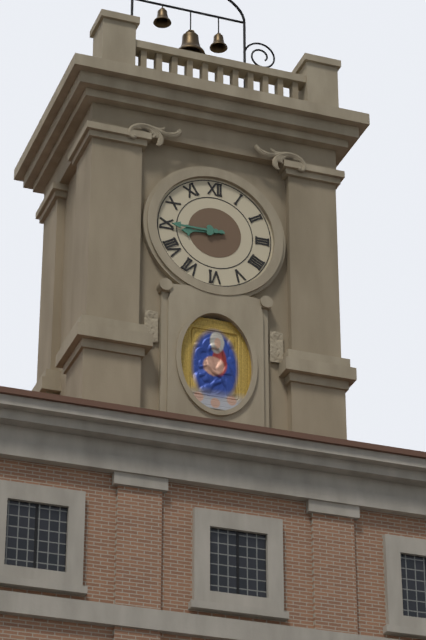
8:45
